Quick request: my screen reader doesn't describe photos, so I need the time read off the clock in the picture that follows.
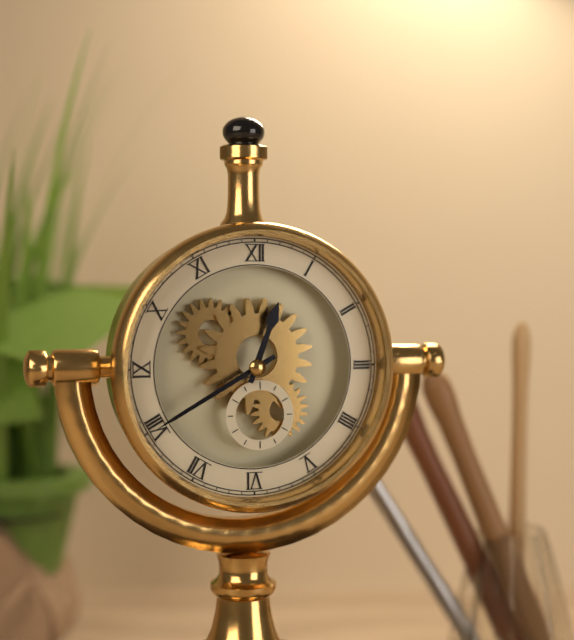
12:40
